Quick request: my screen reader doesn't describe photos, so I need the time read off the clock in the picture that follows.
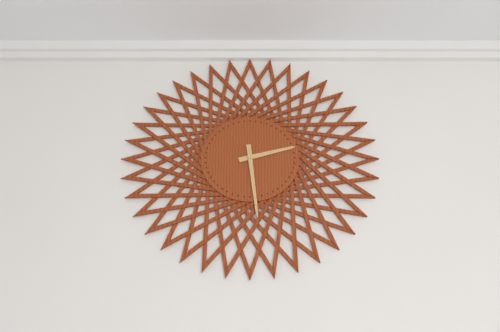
2:29
